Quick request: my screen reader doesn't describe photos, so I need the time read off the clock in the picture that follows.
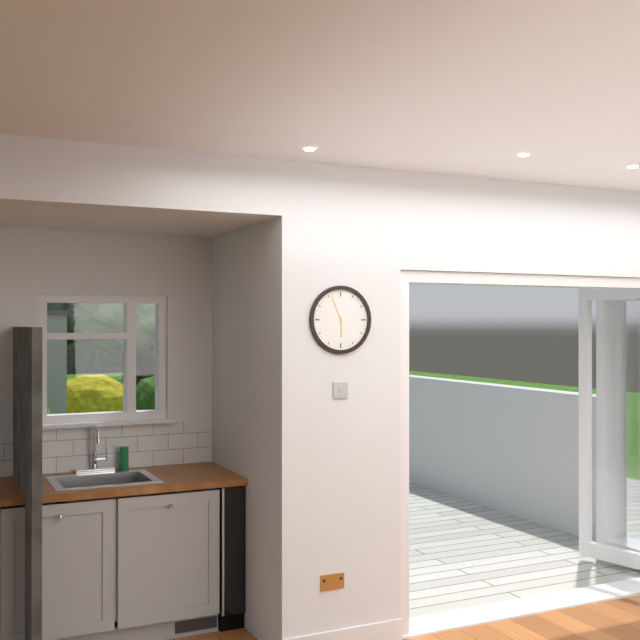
5:56
